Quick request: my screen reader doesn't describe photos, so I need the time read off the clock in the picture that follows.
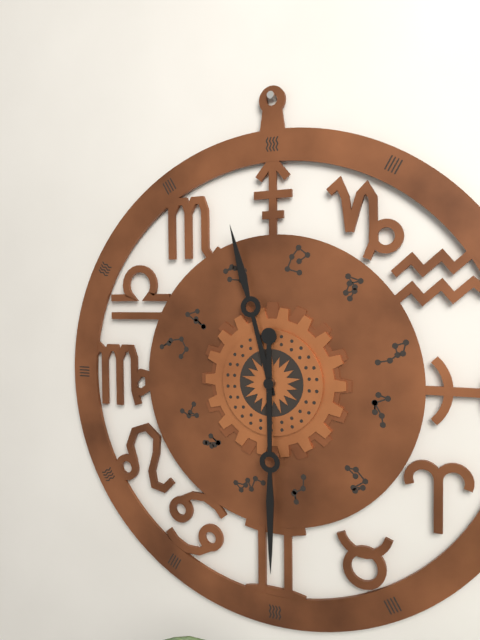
11:30
